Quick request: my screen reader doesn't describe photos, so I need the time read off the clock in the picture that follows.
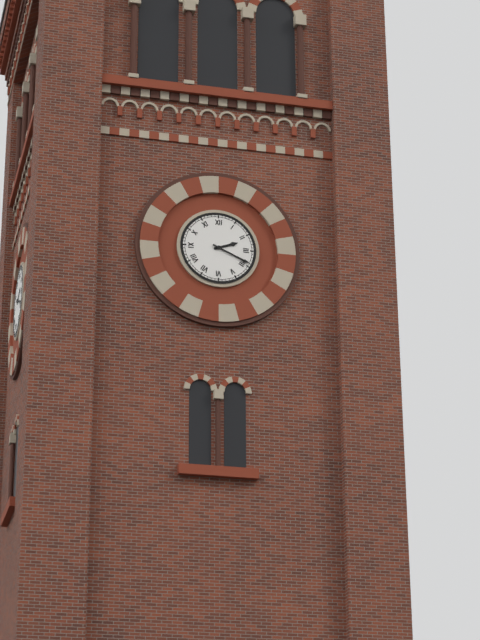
2:19
